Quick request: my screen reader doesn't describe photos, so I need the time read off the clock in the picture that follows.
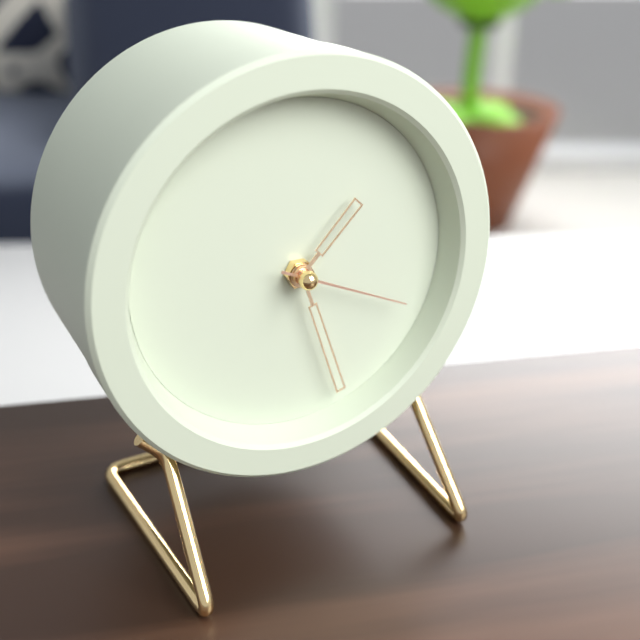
1:27:19
